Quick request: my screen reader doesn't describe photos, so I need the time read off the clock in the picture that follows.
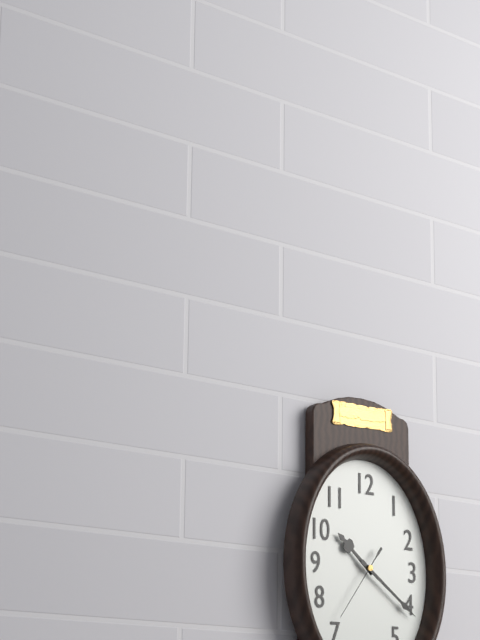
10:21:36
